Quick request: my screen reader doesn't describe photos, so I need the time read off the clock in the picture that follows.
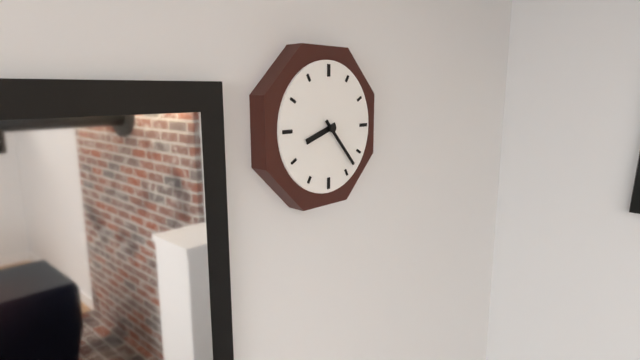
8:23
